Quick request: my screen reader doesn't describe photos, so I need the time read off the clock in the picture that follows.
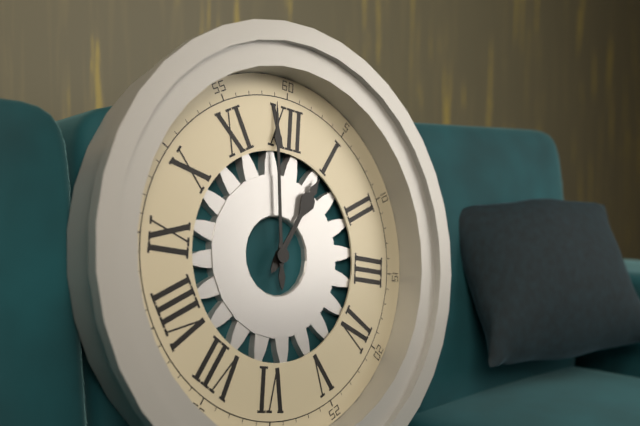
12:59
